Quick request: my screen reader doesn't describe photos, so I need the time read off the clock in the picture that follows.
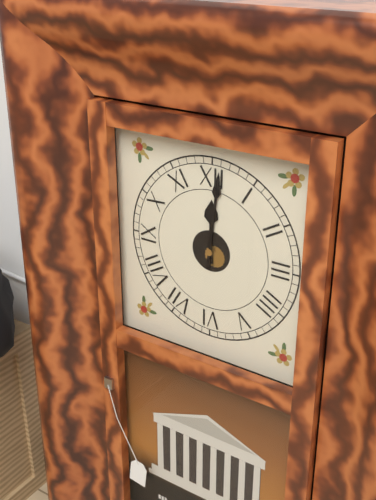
12:01
